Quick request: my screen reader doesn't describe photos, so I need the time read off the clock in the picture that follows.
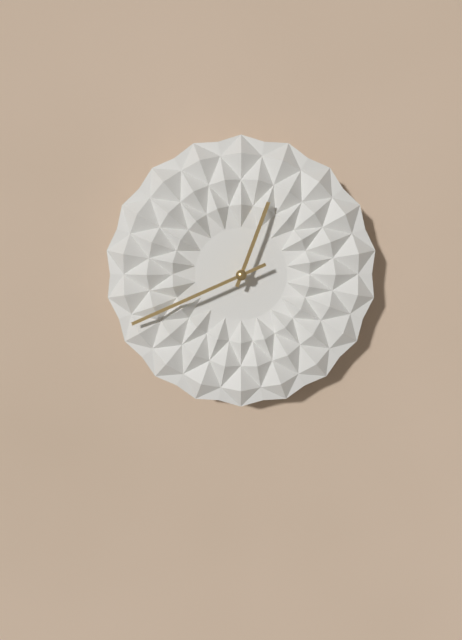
12:41
